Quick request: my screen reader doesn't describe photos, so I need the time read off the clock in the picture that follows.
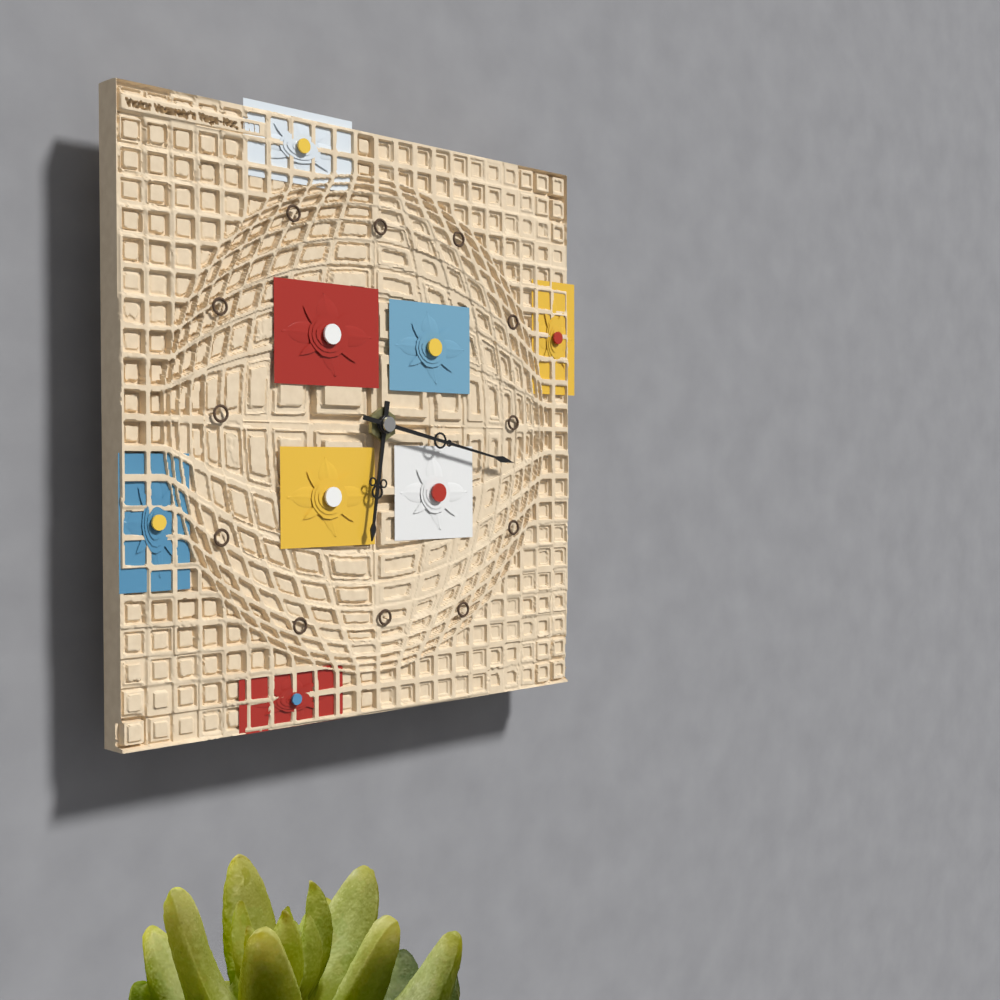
6:17
